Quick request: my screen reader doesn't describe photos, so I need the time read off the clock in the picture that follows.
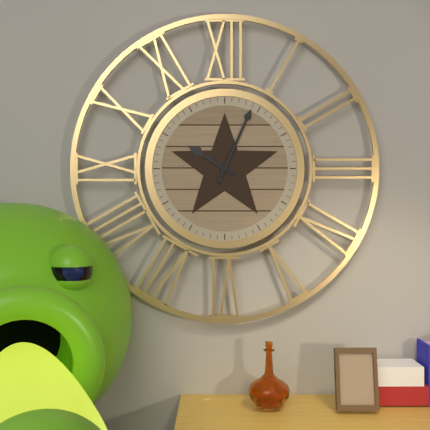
10:04
